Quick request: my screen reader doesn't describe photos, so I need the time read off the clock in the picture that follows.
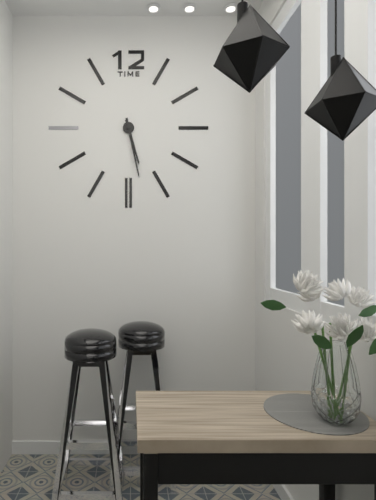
5:28
